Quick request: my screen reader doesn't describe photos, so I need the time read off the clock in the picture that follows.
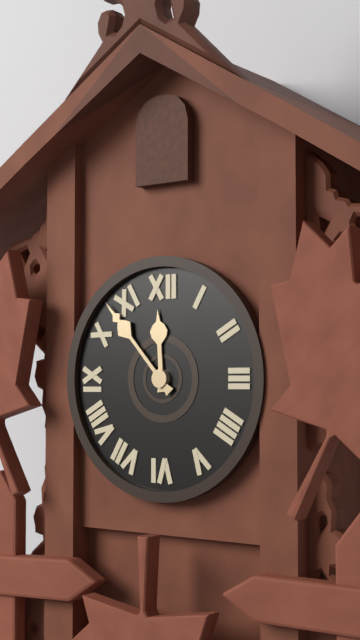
11:53
